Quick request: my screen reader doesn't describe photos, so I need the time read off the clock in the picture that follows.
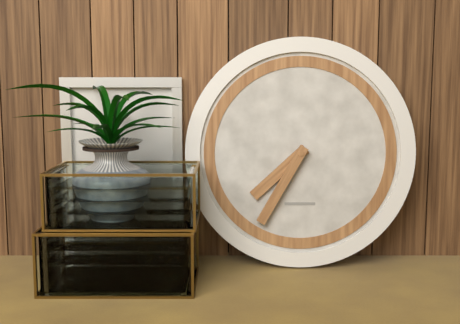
7:35
